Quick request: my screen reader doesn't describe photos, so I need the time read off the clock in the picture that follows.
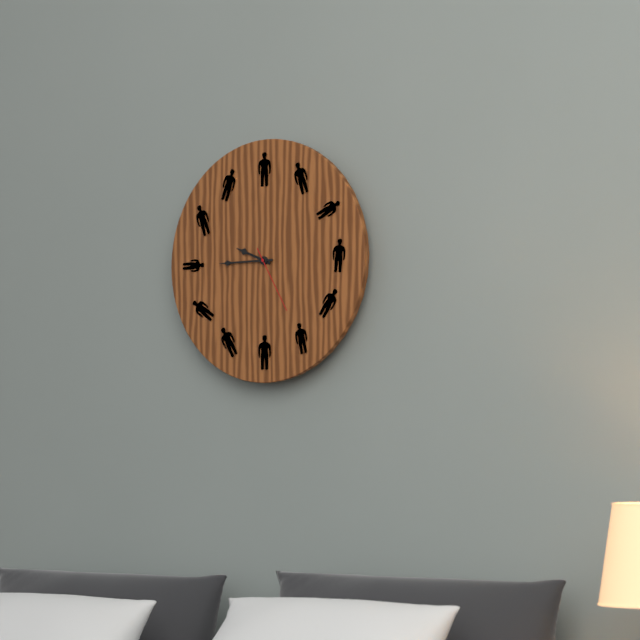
9:45:25
